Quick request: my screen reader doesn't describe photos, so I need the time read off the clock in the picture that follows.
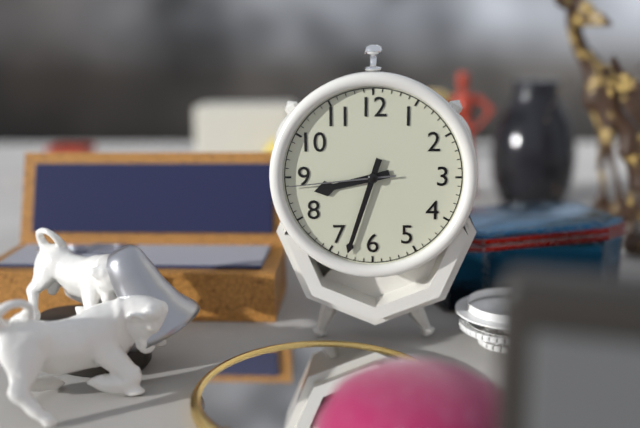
8:33:44
